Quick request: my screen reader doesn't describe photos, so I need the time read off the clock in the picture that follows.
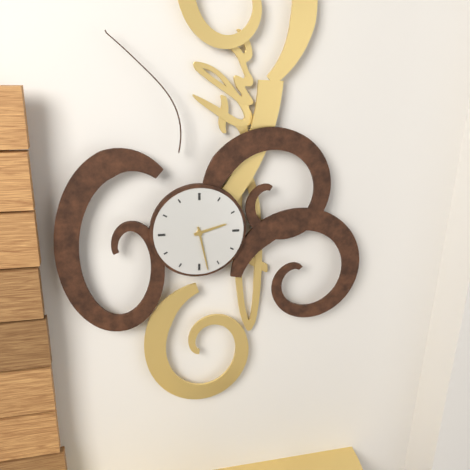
2:28
